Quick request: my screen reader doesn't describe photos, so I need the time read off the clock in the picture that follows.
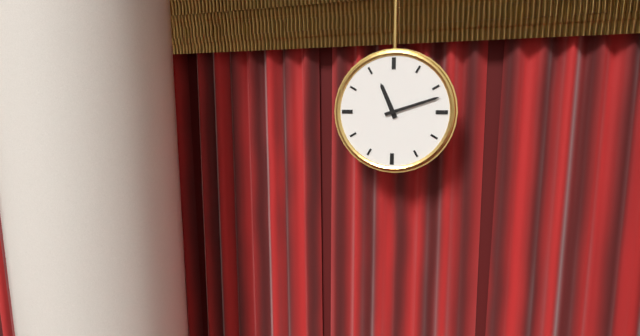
11:12
